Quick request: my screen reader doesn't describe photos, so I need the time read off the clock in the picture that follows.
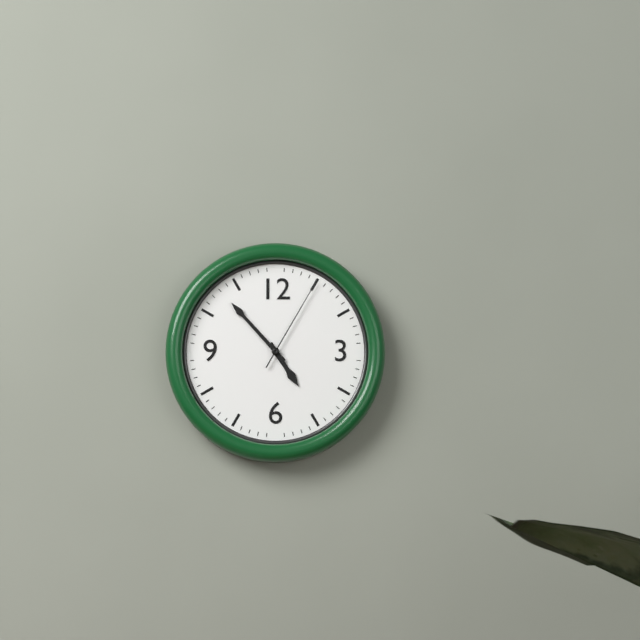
4:53:05
